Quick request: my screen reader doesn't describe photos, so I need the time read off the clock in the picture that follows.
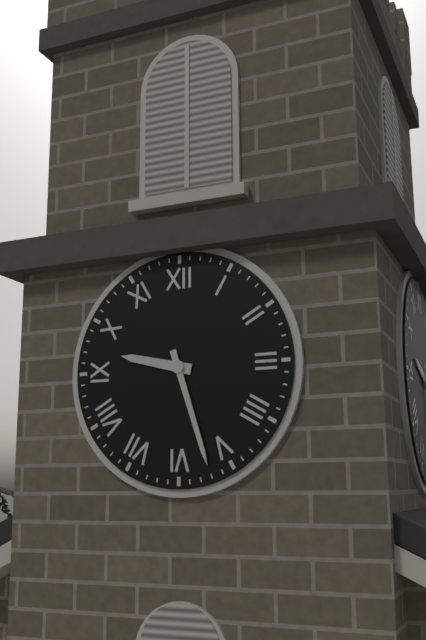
9:27
